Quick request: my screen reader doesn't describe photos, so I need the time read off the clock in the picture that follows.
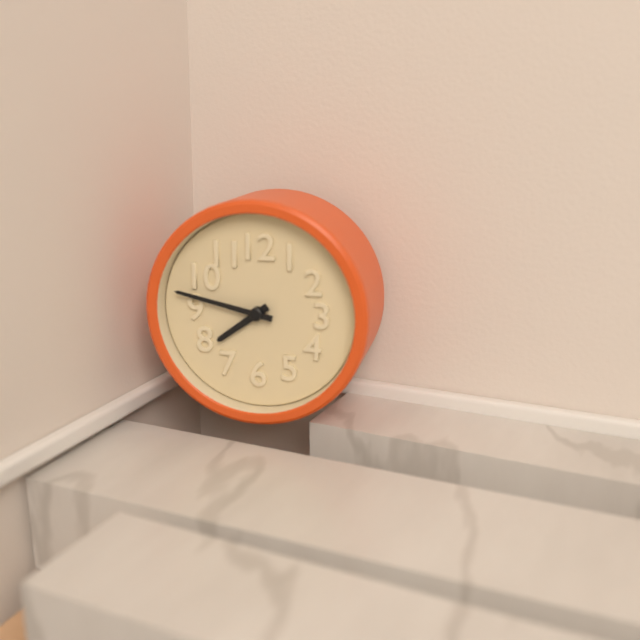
7:47
